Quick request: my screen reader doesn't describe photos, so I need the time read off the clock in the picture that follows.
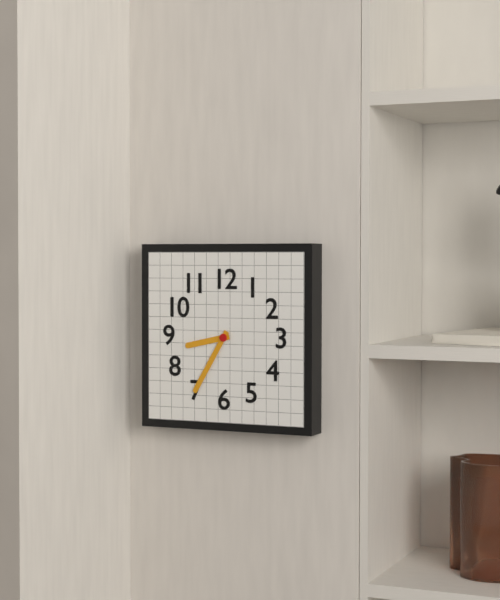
8:35
